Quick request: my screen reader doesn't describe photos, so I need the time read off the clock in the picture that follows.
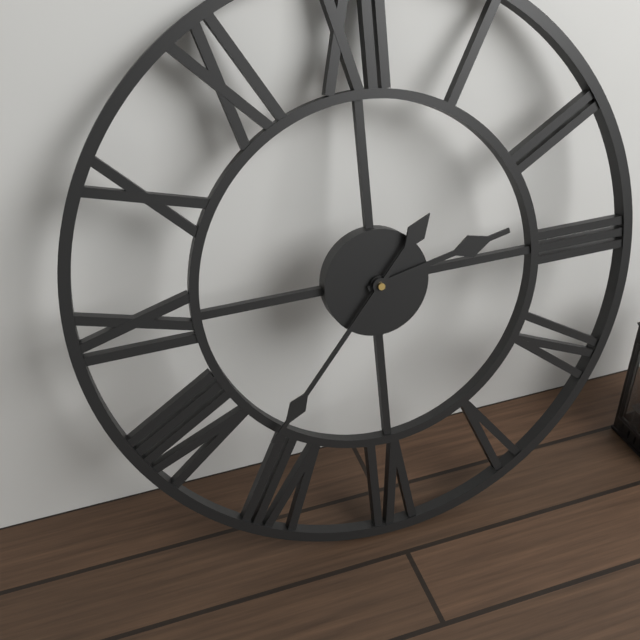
2:37
